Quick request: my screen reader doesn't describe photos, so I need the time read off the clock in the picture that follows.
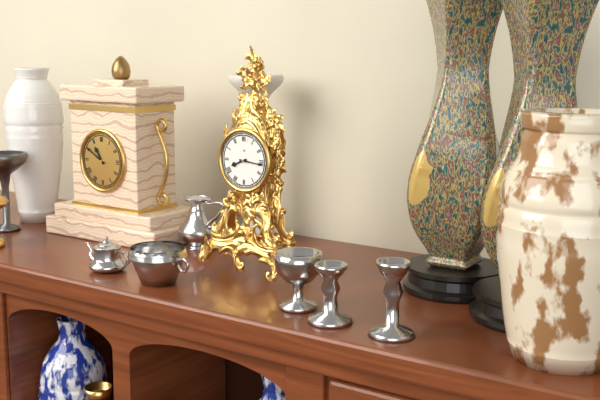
8:16
